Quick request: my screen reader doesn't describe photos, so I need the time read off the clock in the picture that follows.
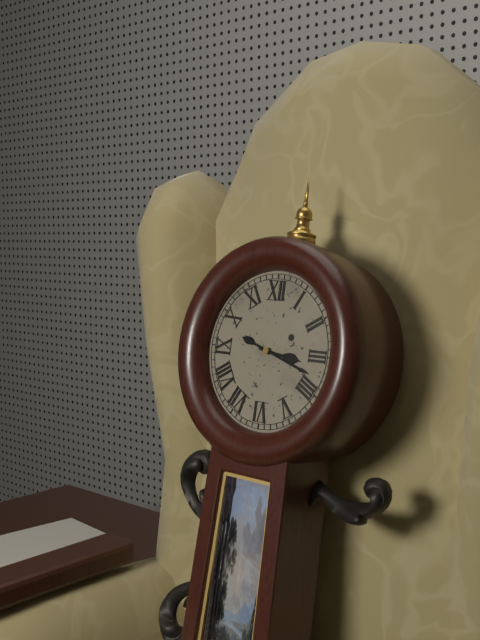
3:18
